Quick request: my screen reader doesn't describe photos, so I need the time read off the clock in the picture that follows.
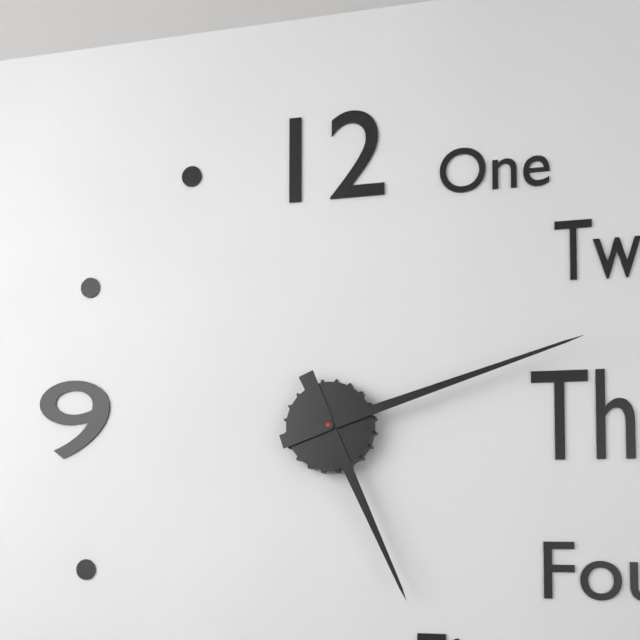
5:12
